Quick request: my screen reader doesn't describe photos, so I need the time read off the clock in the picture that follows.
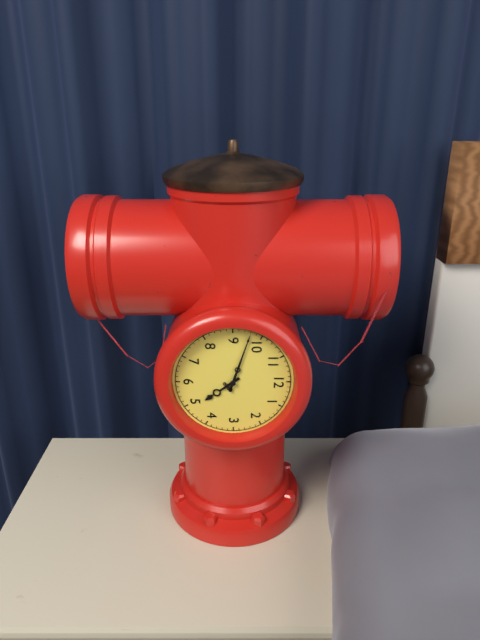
4:48
